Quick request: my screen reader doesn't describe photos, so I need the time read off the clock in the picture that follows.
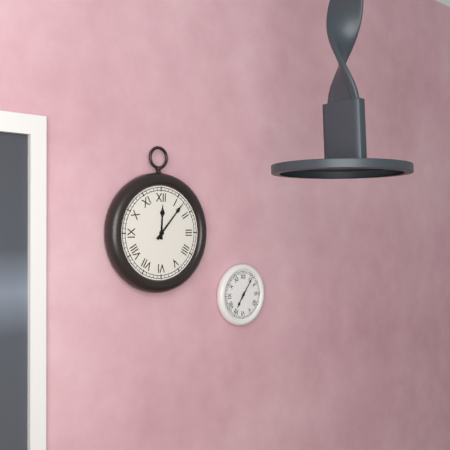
12:07
